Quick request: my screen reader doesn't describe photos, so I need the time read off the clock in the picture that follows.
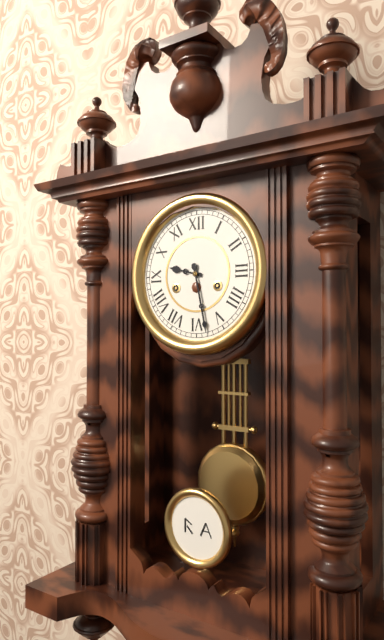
9:28
